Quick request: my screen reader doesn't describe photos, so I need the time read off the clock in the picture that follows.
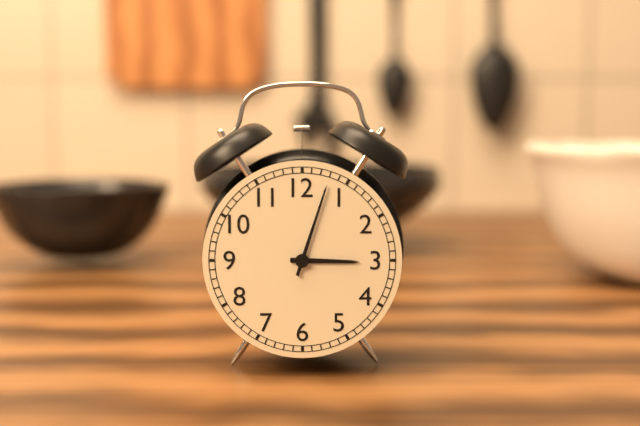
3:03
